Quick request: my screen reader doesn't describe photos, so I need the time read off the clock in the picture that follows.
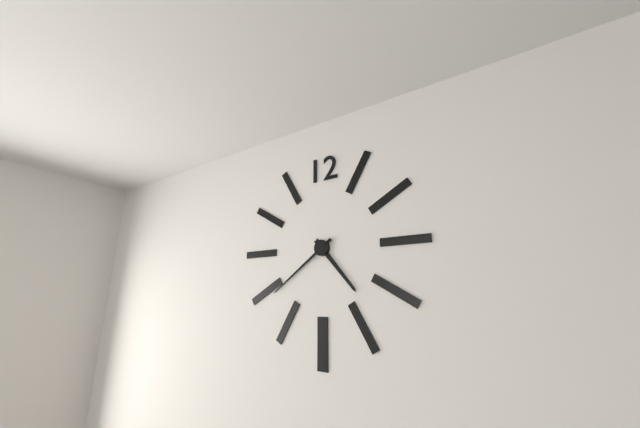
4:39
